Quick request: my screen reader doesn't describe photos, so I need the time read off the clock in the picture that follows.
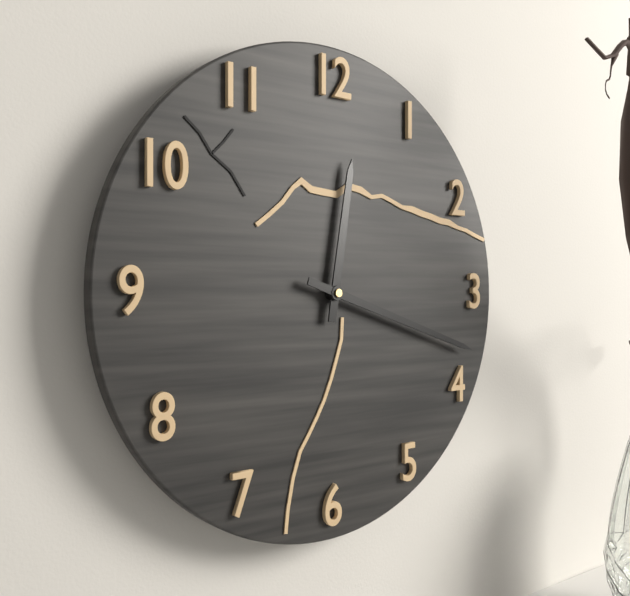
12:18
